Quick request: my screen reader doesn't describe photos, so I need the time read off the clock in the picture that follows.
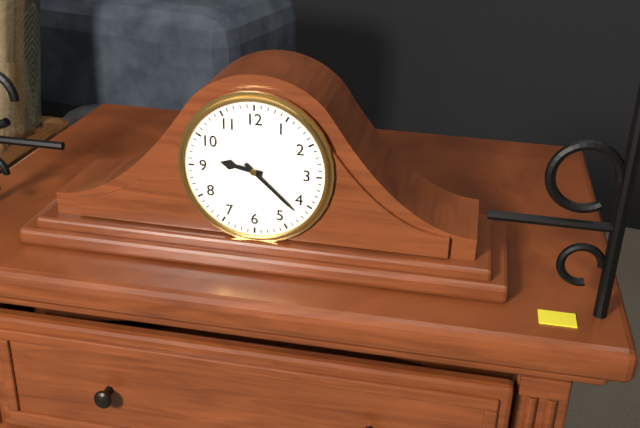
9:22
